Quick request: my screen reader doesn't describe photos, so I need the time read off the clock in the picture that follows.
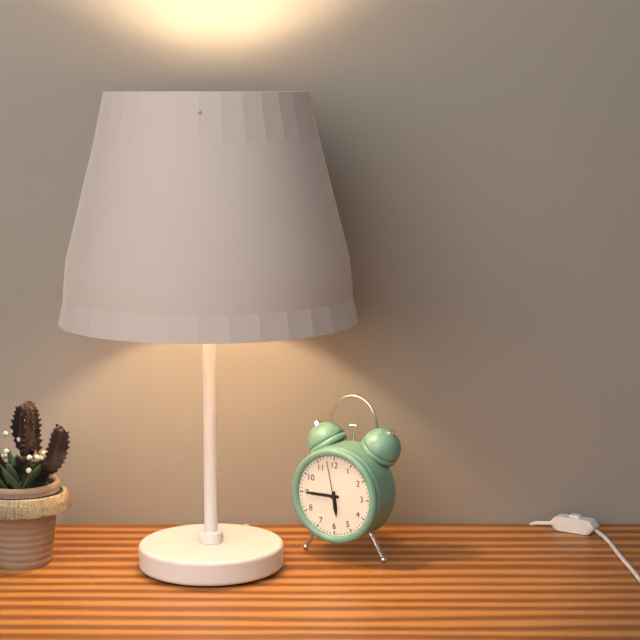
5:45
